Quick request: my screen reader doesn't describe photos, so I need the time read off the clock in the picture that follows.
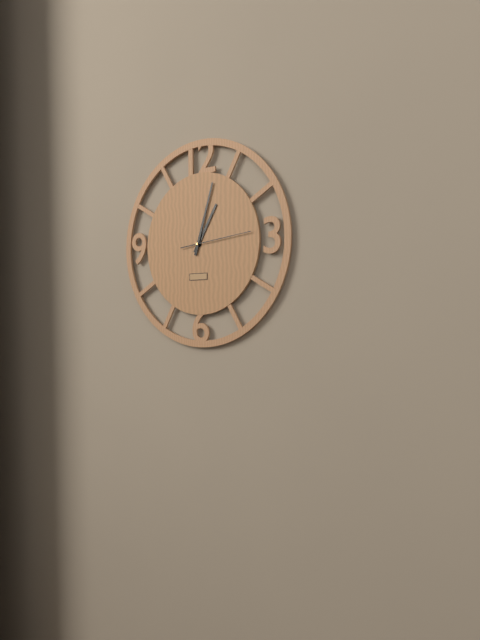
1:03:14
